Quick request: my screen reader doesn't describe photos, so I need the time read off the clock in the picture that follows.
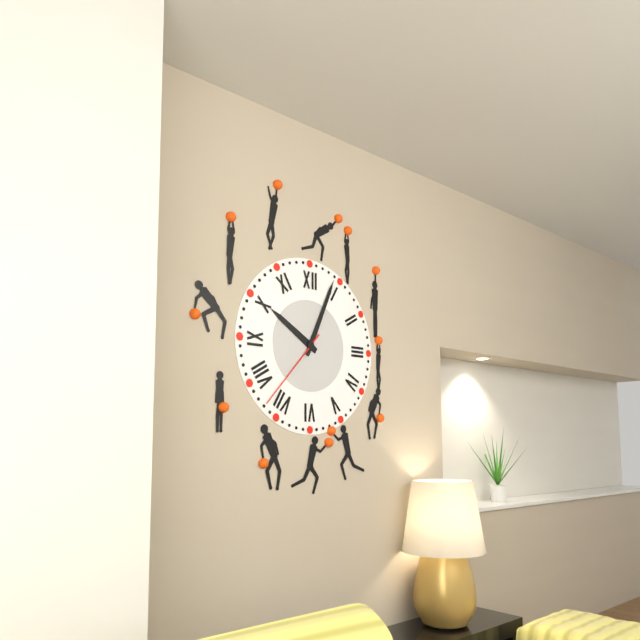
10:04:37
